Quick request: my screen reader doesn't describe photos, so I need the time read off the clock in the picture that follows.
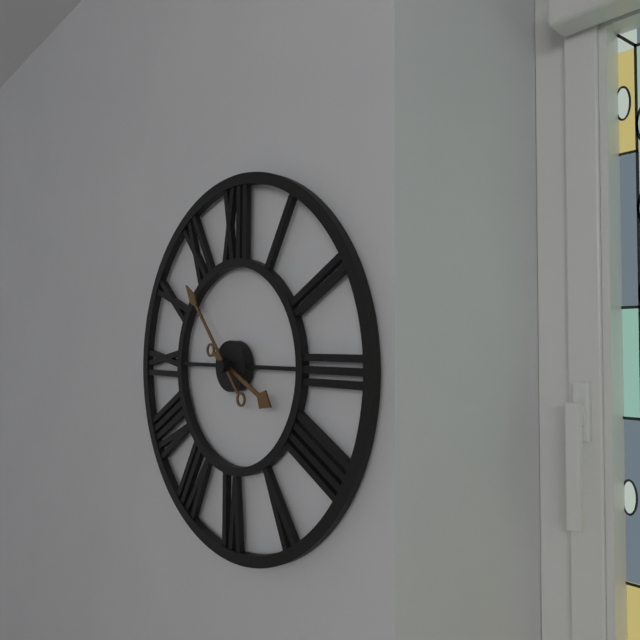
3:53
